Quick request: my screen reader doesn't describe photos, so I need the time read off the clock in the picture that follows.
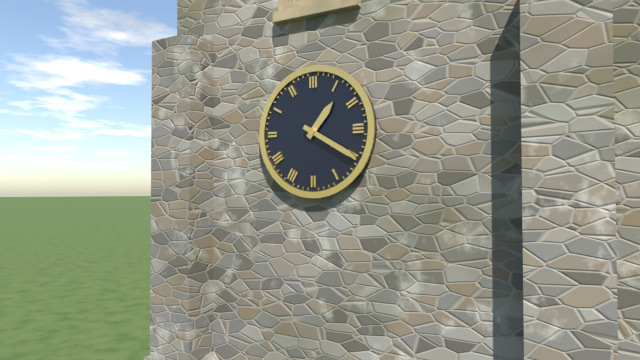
1:20
